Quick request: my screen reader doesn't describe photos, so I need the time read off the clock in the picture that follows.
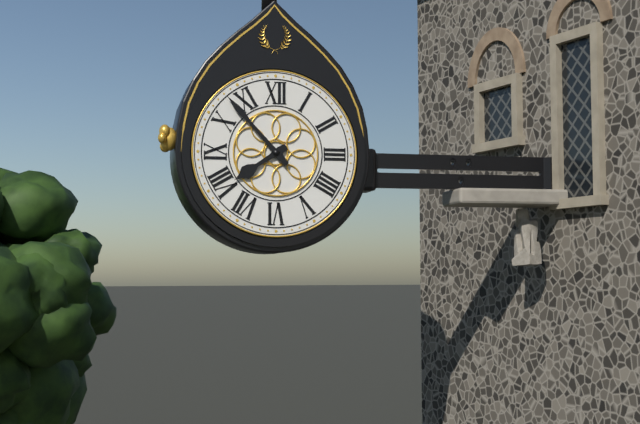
7:53
